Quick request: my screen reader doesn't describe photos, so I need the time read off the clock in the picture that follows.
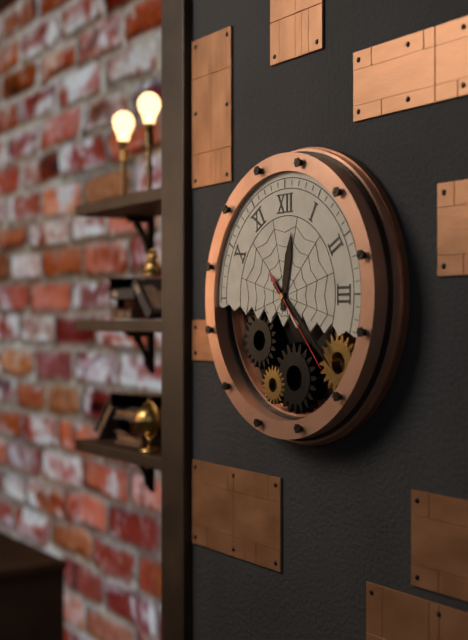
12:22:23
